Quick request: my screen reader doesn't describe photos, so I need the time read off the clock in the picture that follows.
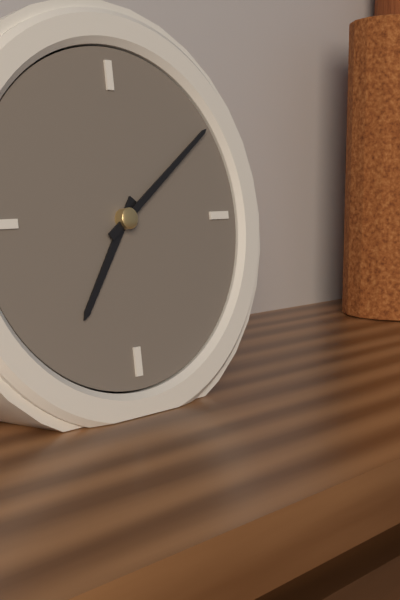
7:09
